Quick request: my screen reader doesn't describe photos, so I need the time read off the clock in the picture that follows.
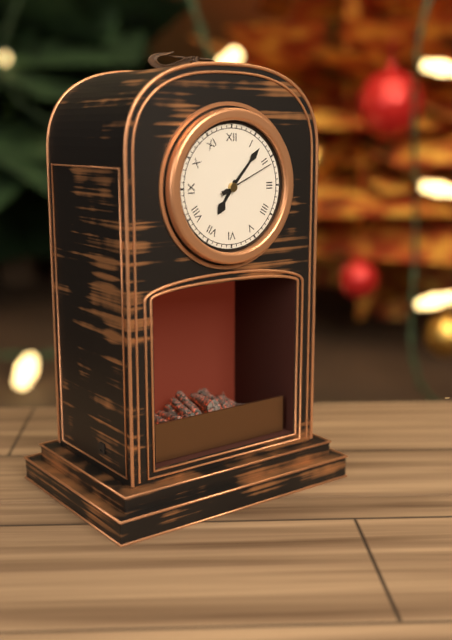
7:07:11
